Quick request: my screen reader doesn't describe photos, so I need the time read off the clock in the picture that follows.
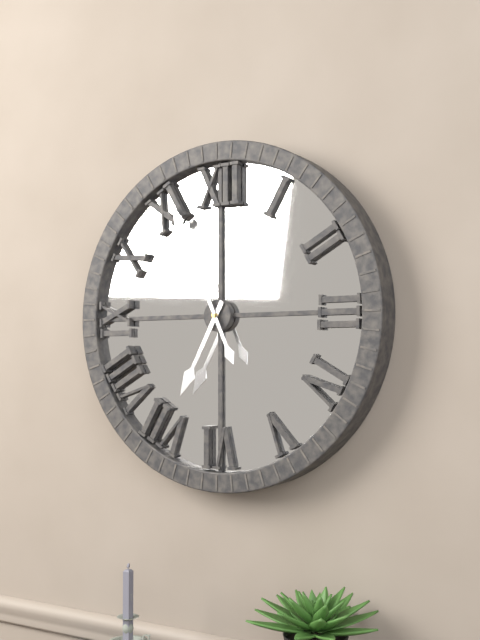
6:56
